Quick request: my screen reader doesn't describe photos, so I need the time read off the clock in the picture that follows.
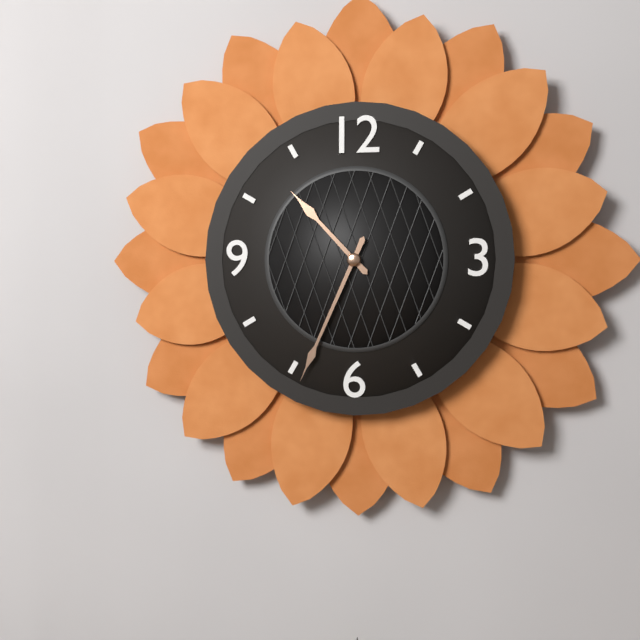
10:34
